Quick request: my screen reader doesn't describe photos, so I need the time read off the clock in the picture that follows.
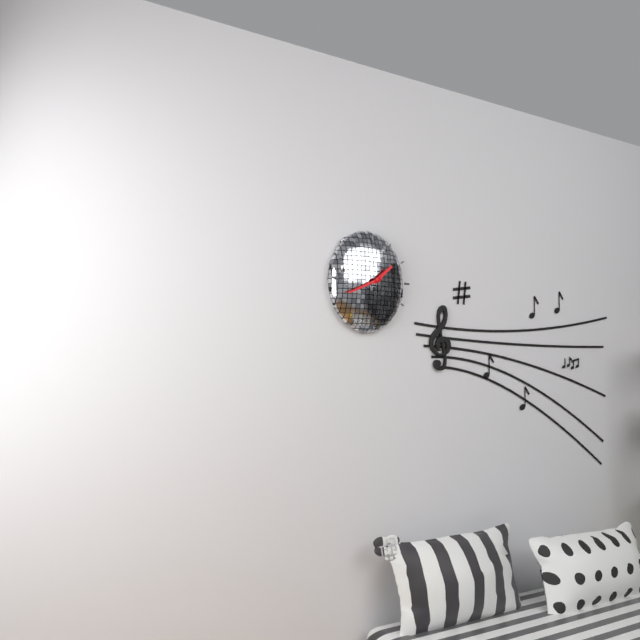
1:41
